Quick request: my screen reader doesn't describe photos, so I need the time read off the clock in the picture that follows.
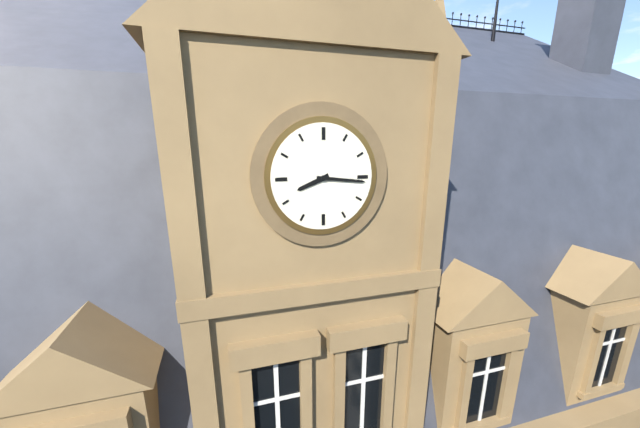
8:16
